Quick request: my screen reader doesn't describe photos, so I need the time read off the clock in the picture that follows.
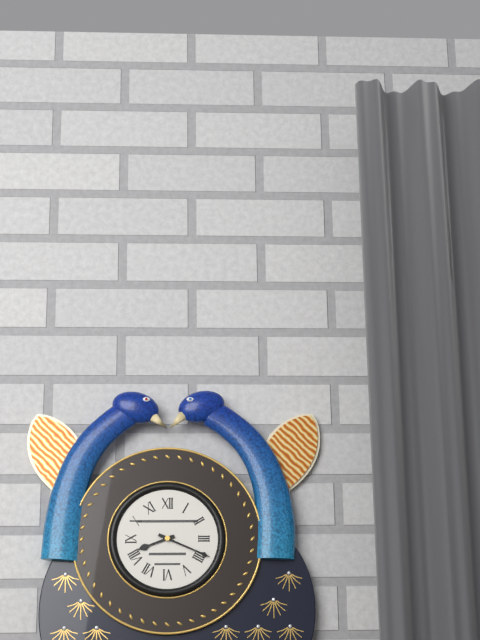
8:19
